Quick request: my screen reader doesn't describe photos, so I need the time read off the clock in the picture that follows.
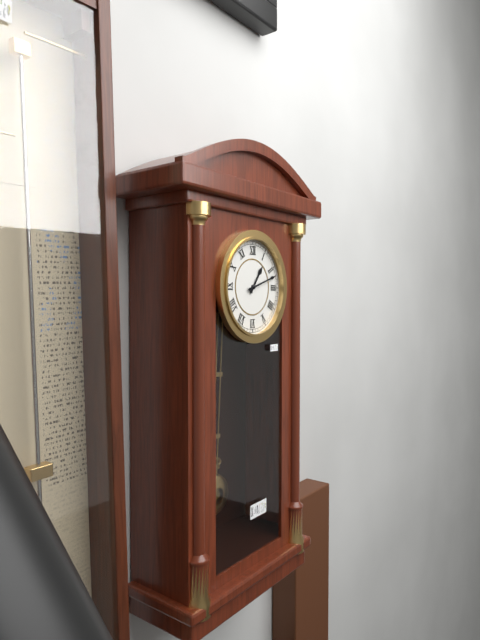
1:12
